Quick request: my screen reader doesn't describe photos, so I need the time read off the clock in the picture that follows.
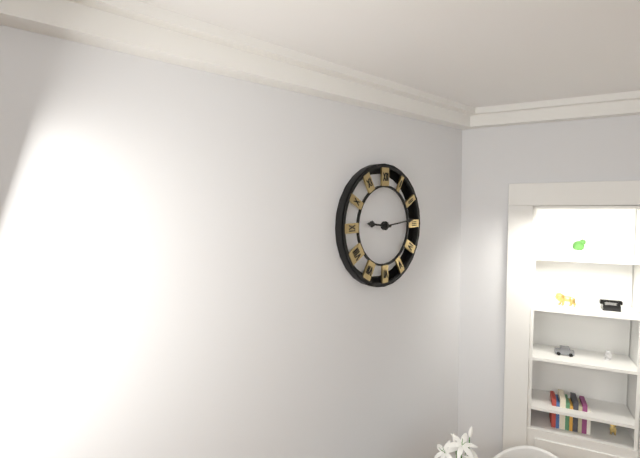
9:14
